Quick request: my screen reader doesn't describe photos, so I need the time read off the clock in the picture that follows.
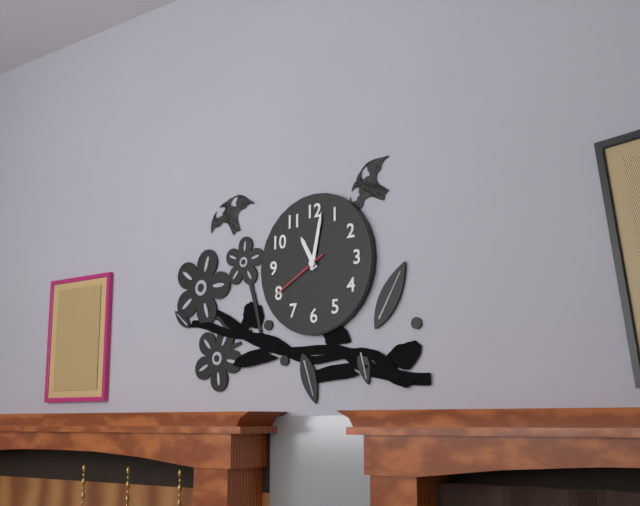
11:02:40
